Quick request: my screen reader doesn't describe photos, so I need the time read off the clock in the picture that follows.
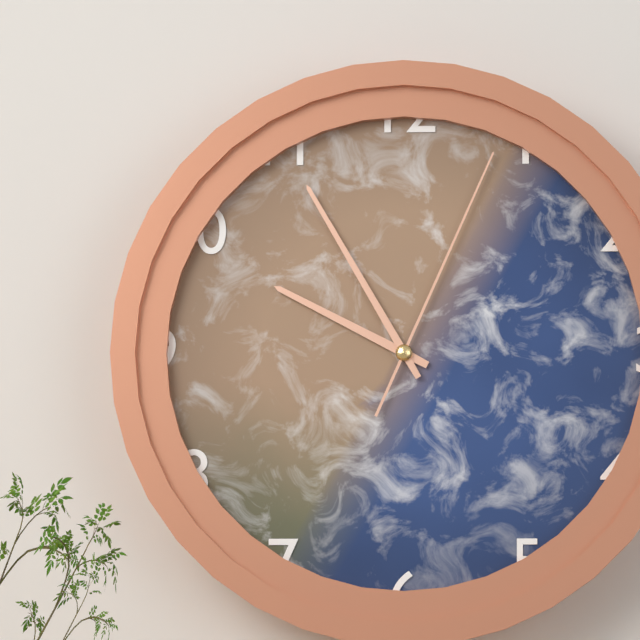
9:55:04
